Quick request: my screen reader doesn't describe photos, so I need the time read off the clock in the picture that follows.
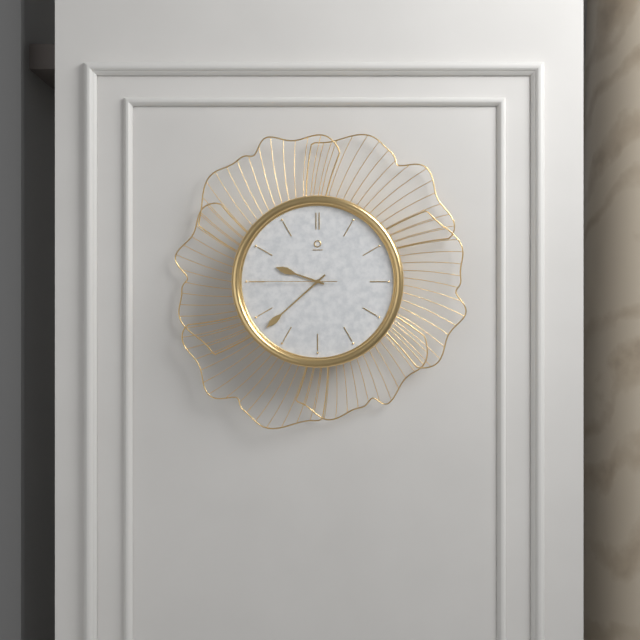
9:38:45
